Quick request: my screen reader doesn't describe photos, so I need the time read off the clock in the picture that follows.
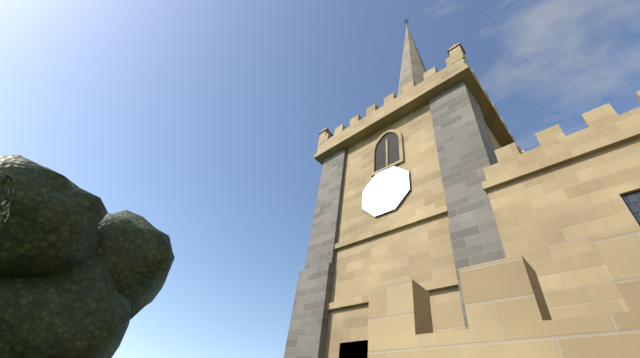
4:55
